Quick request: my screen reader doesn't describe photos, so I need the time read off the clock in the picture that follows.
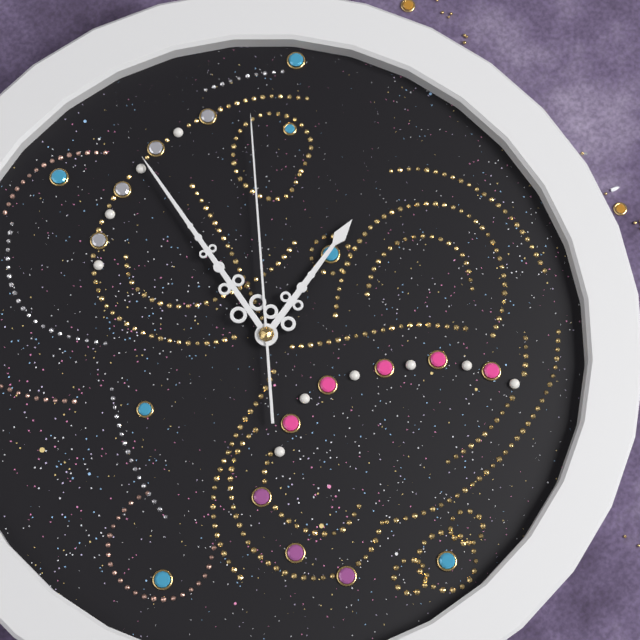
8:31:36
